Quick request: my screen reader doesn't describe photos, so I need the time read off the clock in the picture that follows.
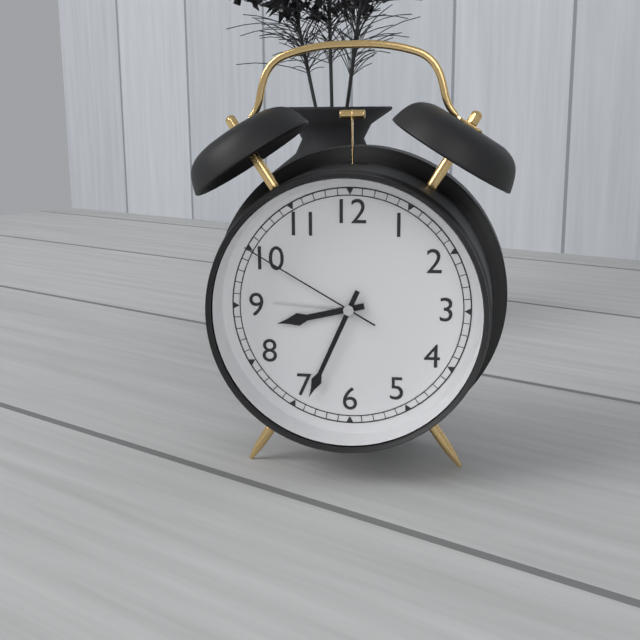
8:34:50
